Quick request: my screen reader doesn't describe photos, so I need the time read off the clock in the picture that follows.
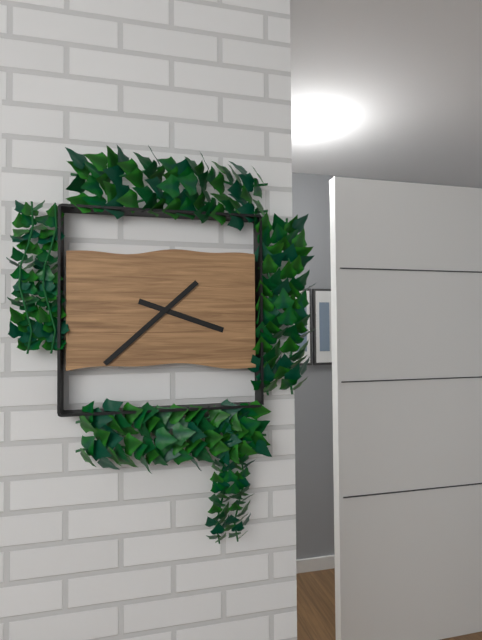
3:38
